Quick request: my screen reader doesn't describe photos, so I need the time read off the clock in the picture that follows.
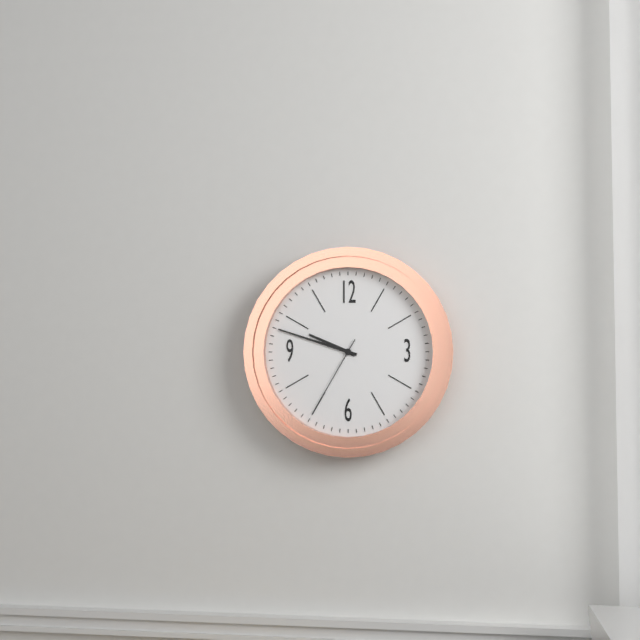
9:48:35
